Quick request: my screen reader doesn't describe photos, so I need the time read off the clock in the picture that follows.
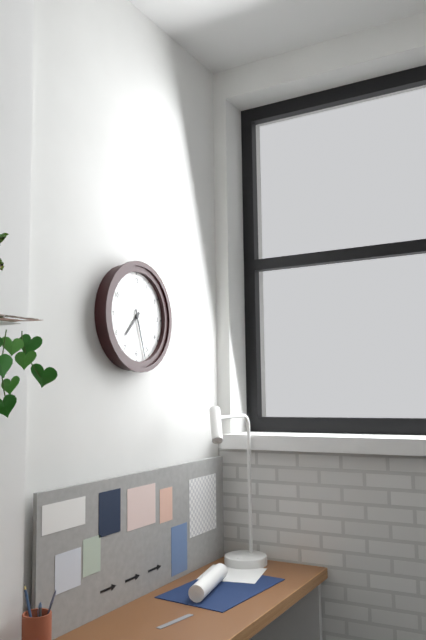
7:27
